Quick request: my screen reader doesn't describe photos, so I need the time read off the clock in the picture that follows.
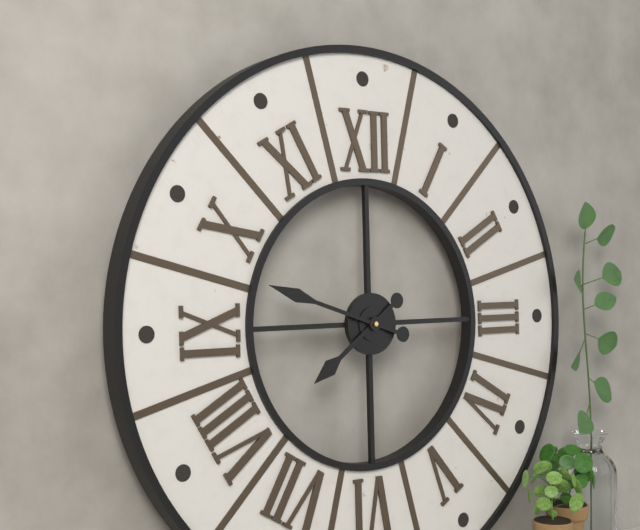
7:48
